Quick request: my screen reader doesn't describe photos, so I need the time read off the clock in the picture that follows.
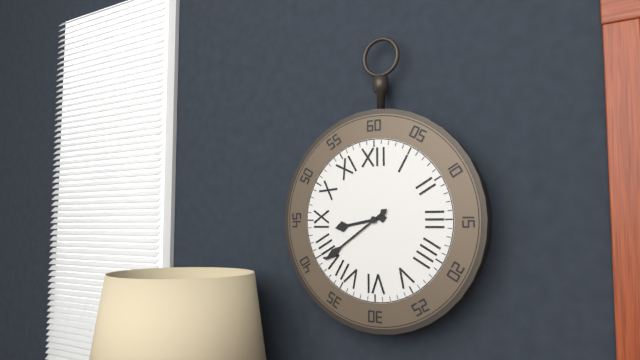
8:39
